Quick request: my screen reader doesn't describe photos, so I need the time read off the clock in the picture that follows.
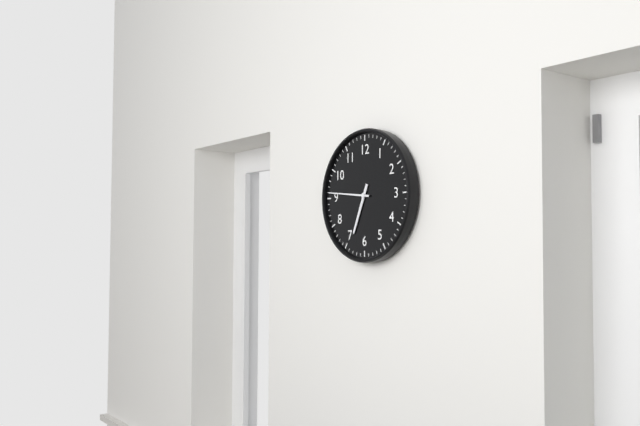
6:46
